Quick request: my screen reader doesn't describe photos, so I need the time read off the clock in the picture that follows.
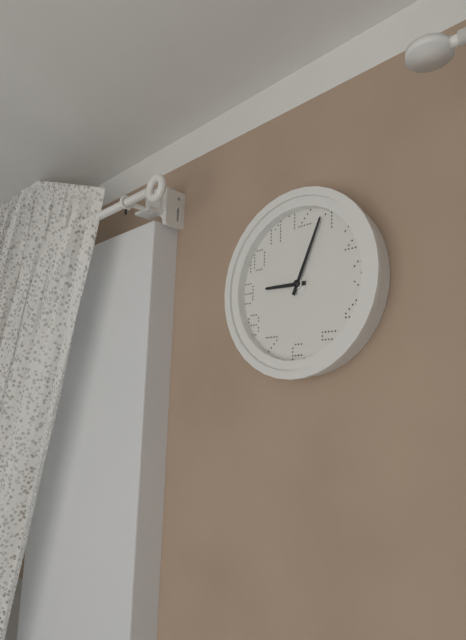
9:04
